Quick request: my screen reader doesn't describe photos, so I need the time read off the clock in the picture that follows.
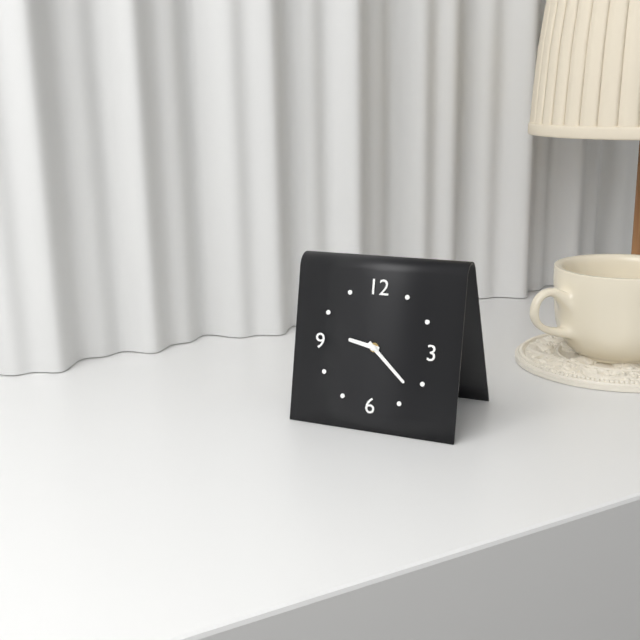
9:22
